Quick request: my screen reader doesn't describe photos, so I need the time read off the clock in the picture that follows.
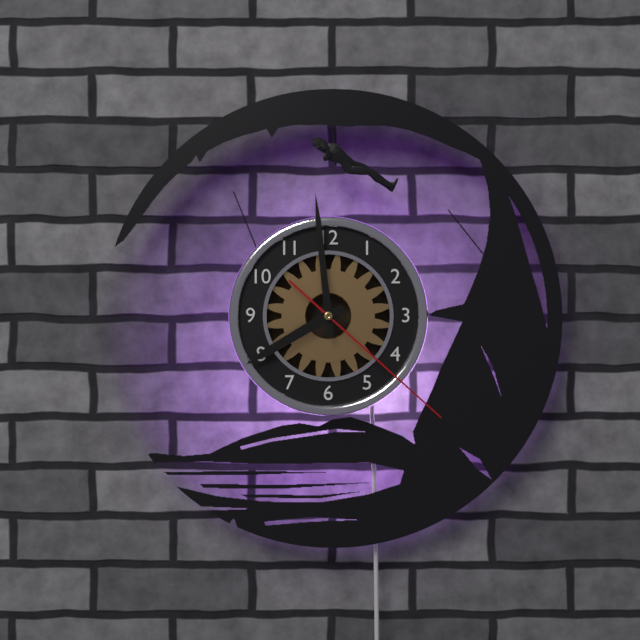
7:59:22
